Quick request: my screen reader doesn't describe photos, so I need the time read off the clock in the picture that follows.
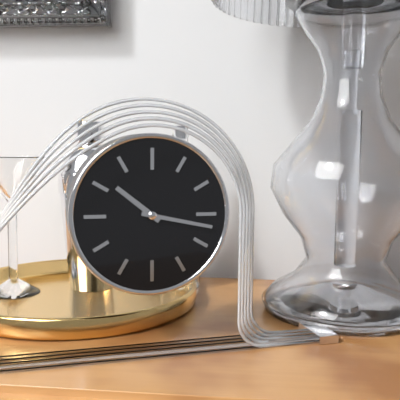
10:17
